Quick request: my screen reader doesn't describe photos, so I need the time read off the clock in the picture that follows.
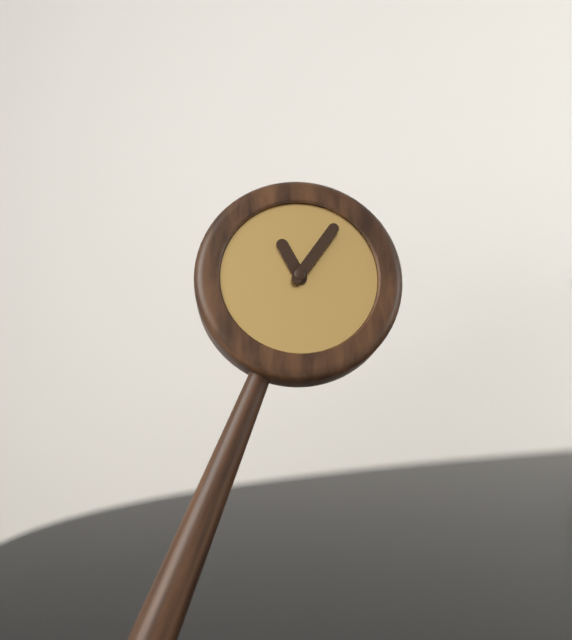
11:06
